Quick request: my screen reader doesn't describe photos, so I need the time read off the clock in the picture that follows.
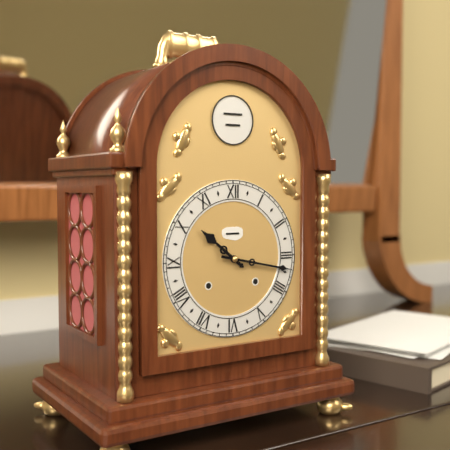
10:17
